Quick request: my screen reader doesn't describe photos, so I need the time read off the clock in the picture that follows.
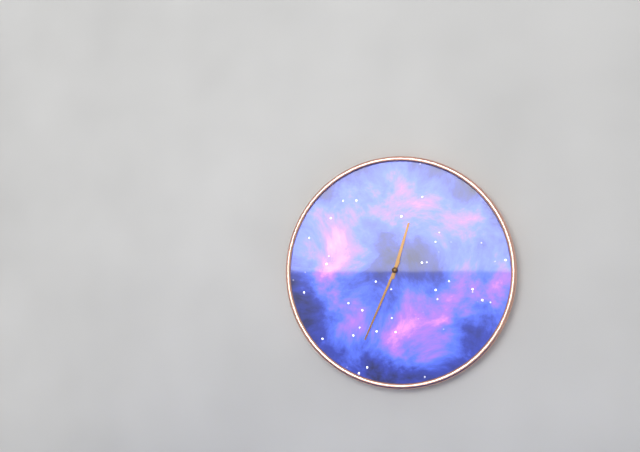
12:34
